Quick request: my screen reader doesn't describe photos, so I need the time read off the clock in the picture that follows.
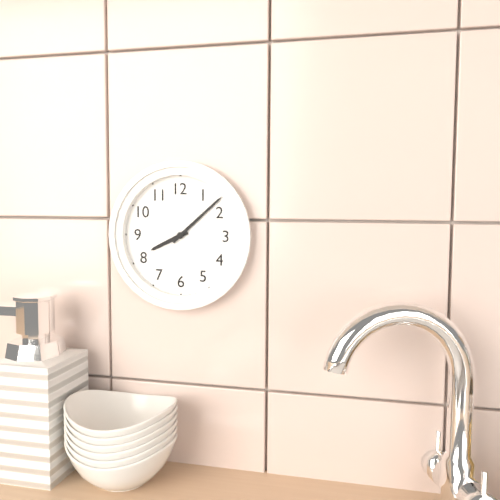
8:08
